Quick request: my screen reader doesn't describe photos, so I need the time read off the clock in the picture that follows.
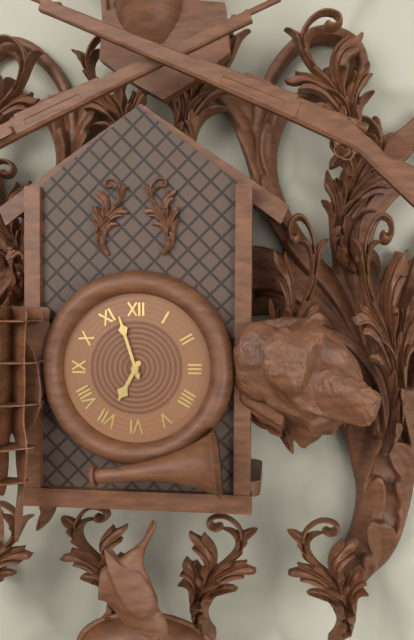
6:57
